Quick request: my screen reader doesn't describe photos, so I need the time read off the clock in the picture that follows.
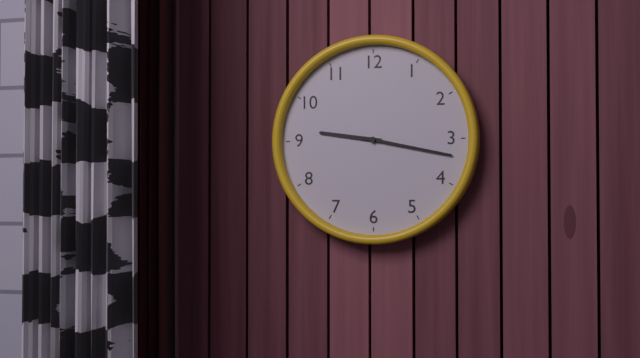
9:17
